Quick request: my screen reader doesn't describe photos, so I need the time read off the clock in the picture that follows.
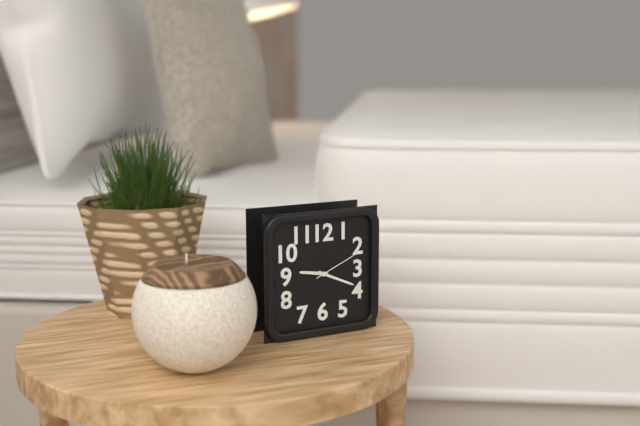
9:19
